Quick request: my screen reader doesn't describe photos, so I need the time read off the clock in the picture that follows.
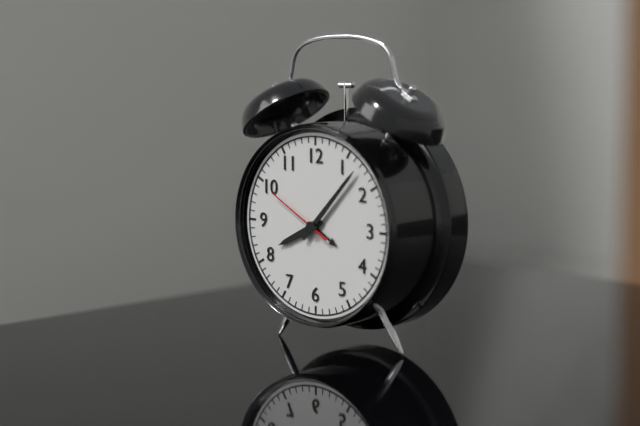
8:07:50
